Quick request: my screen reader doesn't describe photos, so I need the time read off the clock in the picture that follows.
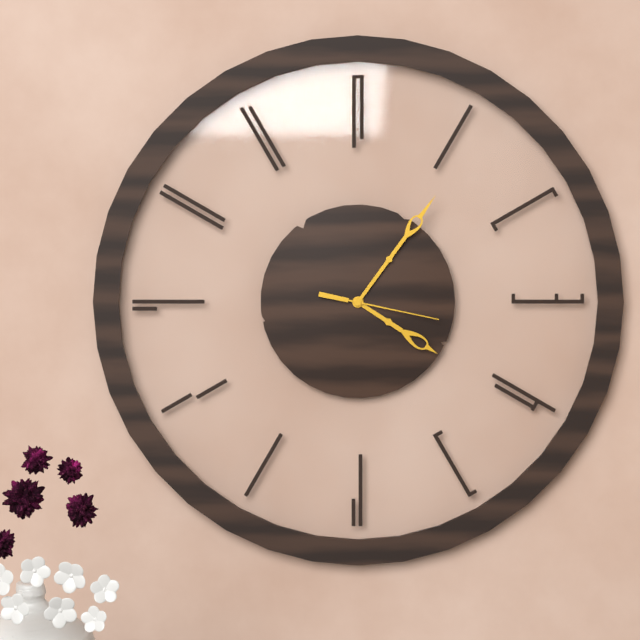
4:06:17
